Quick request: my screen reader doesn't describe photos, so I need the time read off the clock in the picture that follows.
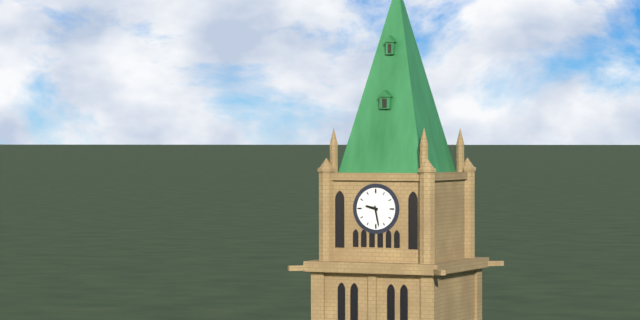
9:28
